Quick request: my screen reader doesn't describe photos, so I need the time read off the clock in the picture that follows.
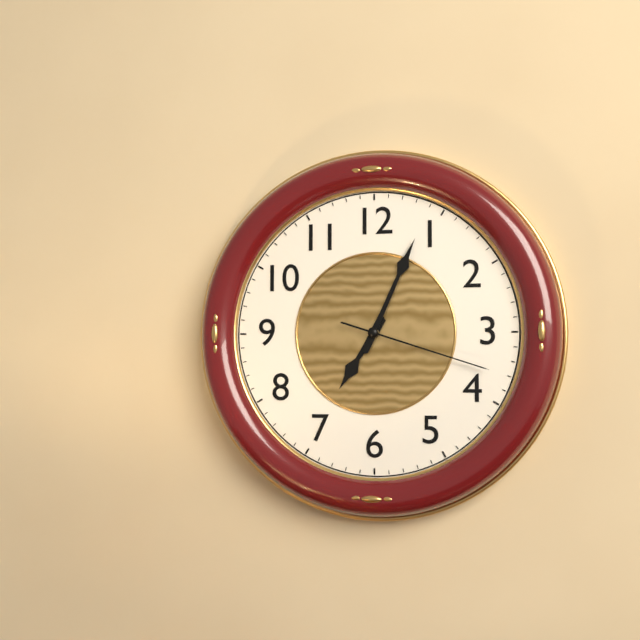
7:04:18
